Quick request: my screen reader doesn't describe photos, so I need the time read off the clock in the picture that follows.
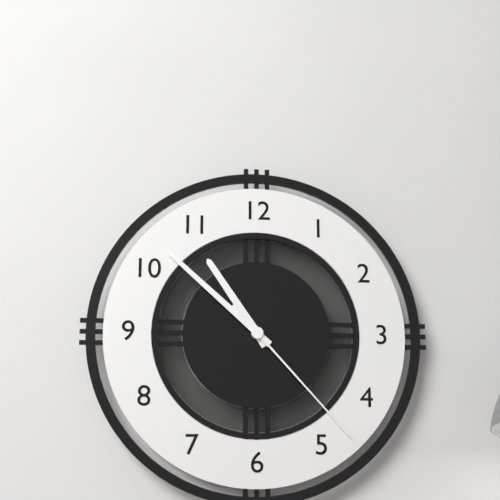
10:52:23
